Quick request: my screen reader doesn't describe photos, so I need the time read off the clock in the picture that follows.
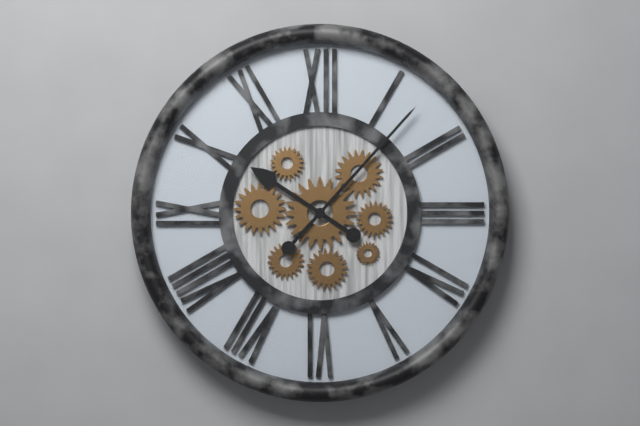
10:07
